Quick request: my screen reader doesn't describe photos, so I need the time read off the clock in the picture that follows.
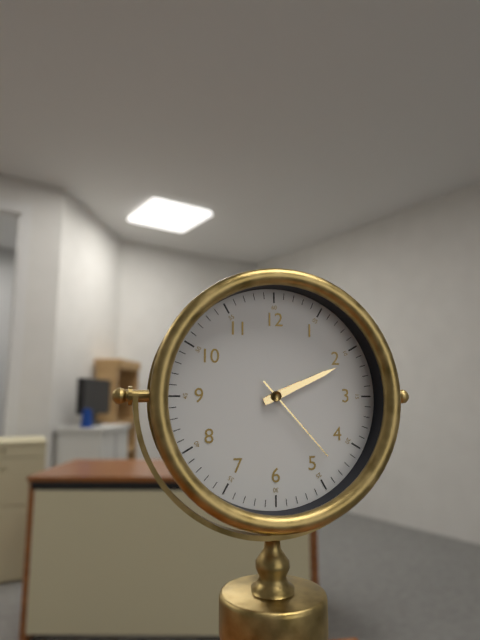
2:11:23
